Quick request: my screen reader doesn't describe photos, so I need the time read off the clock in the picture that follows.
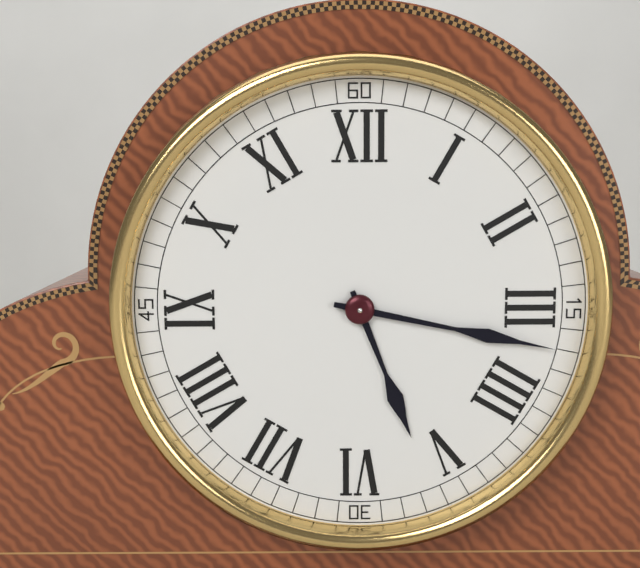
5:17
